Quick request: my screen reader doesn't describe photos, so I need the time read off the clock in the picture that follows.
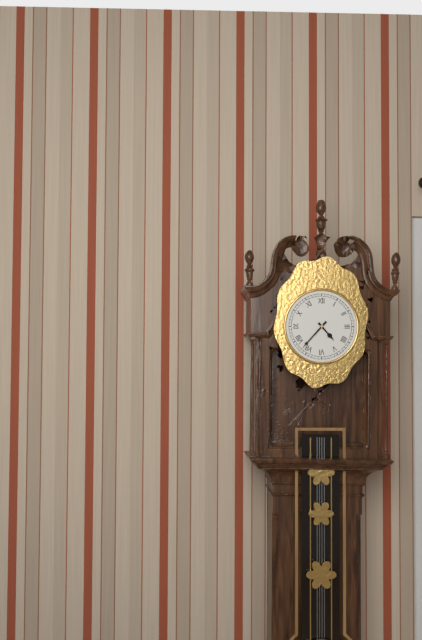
4:37
